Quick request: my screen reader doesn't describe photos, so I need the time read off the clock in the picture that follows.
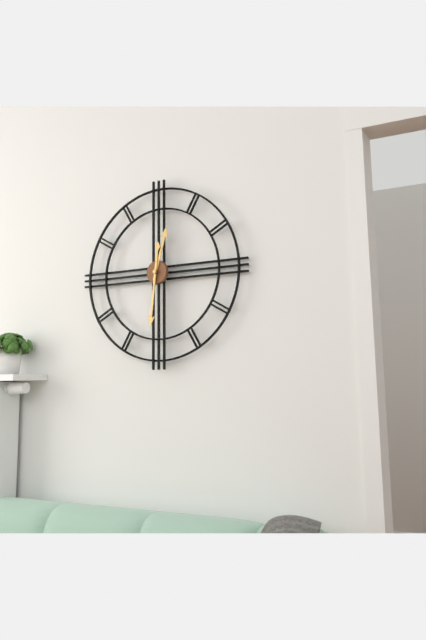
12:31
